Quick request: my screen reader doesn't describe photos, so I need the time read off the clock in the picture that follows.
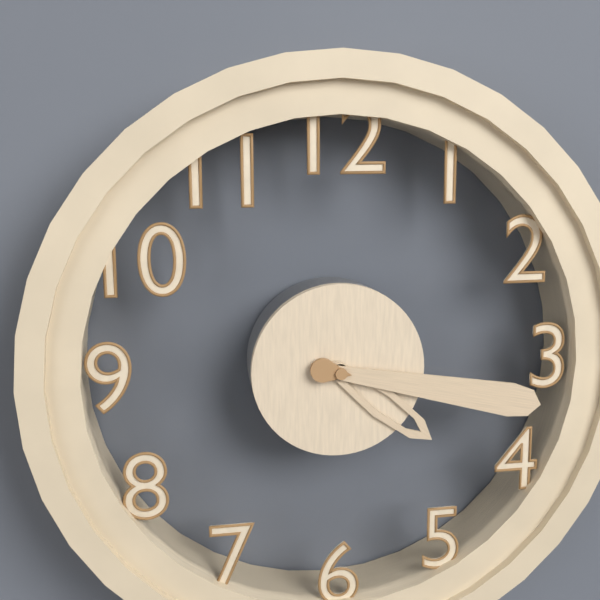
4:17
